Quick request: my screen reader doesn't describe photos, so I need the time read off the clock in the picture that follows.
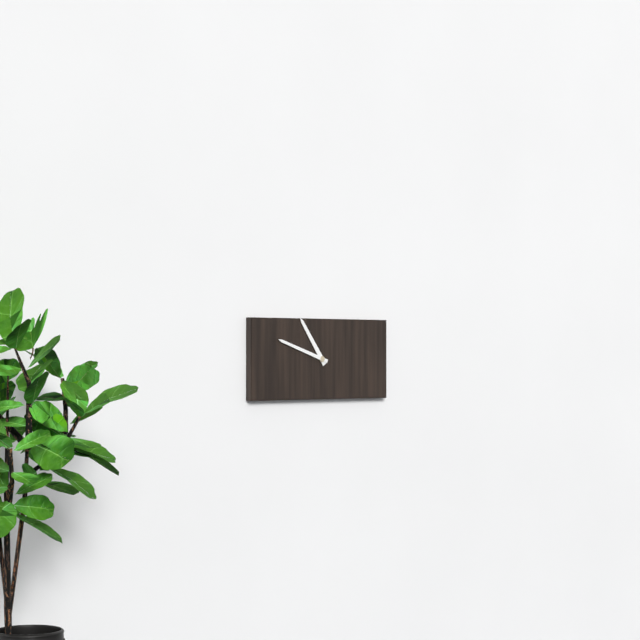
10:48
